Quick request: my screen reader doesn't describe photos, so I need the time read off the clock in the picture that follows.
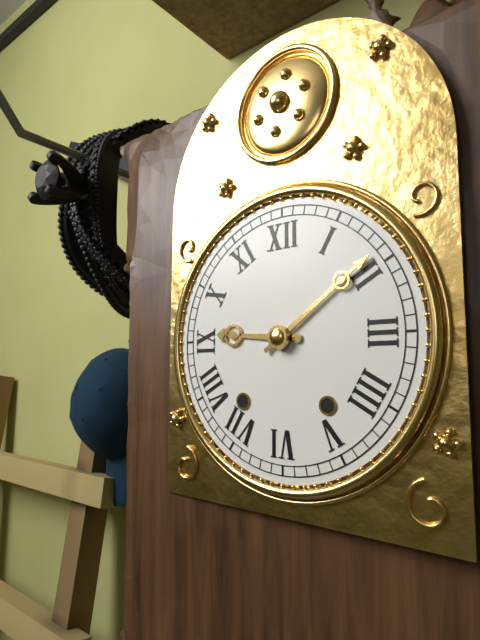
9:09
